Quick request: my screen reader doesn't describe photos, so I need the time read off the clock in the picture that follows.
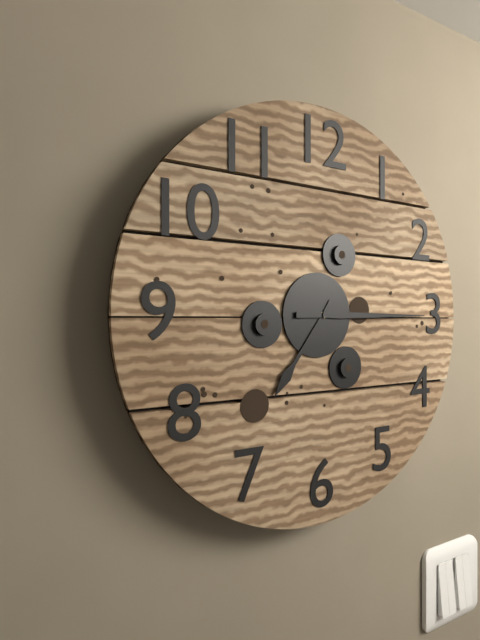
7:15
